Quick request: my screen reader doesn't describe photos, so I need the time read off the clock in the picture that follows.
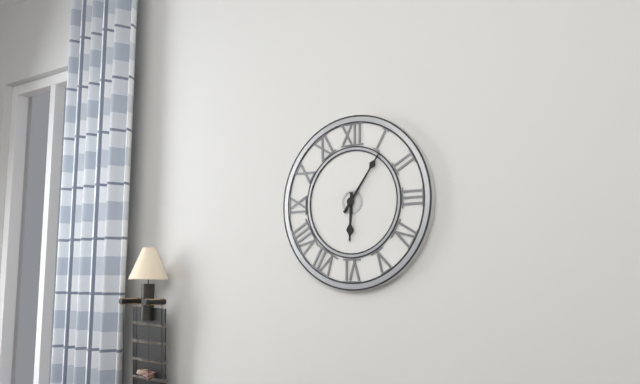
6:06
